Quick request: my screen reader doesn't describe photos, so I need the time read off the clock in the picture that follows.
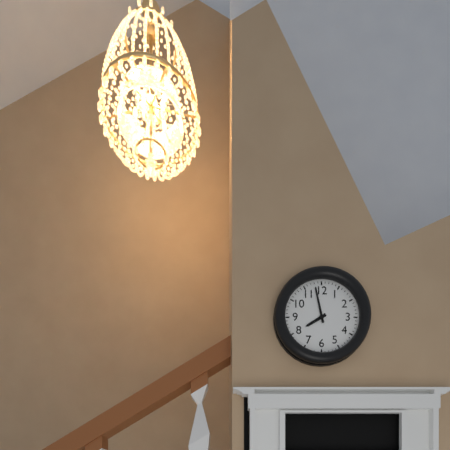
7:58
